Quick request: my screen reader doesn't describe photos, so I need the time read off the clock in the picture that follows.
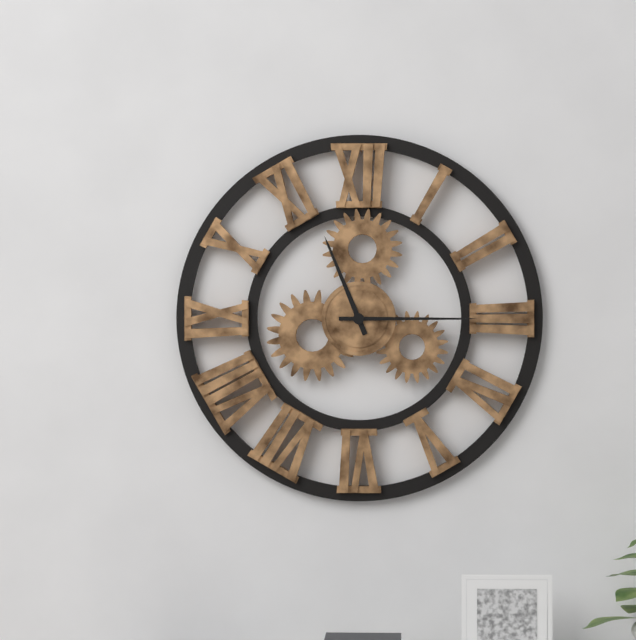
11:15
